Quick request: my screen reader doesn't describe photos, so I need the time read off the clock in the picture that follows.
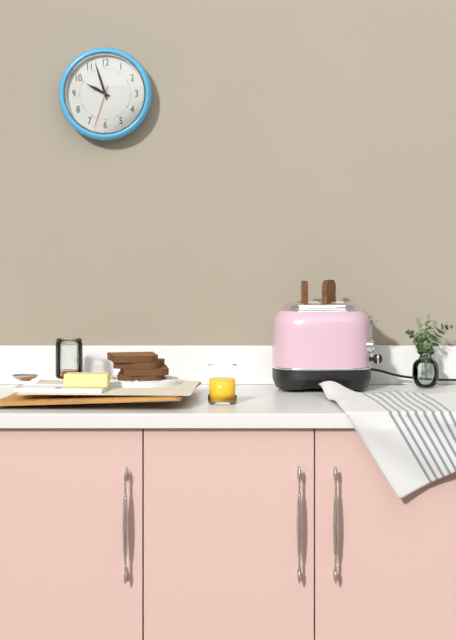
9:57
